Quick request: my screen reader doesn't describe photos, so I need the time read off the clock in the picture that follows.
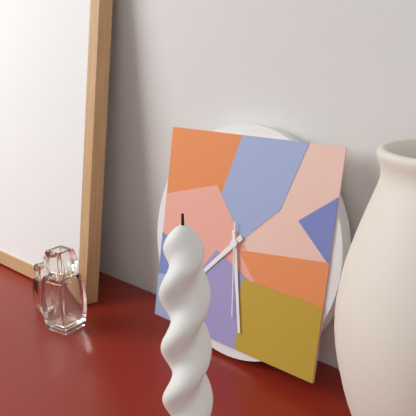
7:28:29
